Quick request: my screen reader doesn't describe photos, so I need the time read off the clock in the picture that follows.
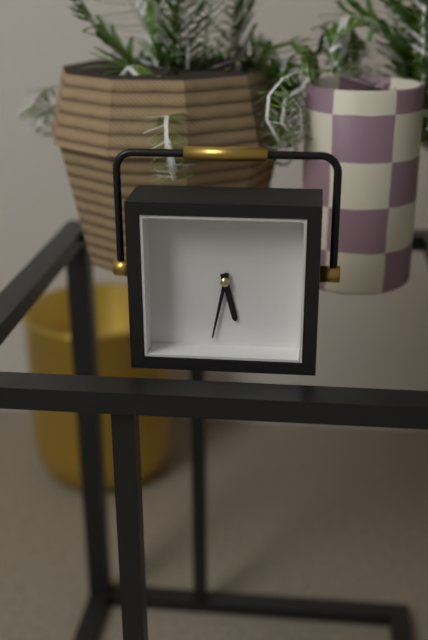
5:32
